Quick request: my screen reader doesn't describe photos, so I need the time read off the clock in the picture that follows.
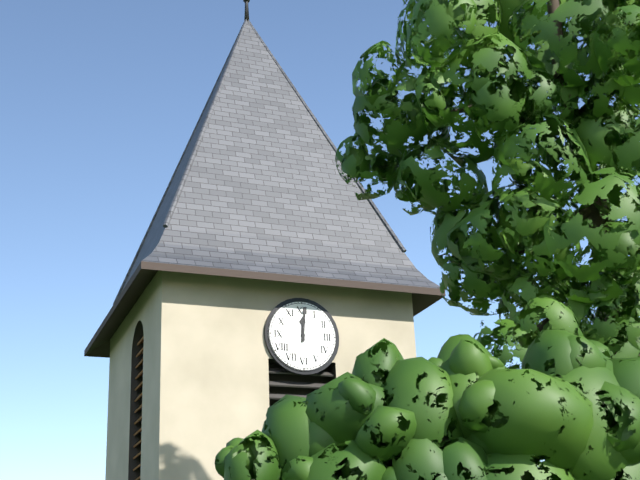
12:01
